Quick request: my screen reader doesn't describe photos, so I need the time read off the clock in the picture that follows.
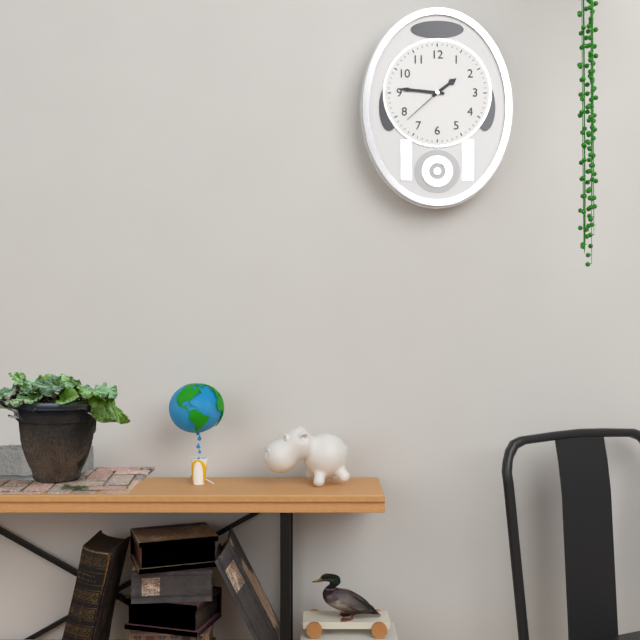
1:46:38
